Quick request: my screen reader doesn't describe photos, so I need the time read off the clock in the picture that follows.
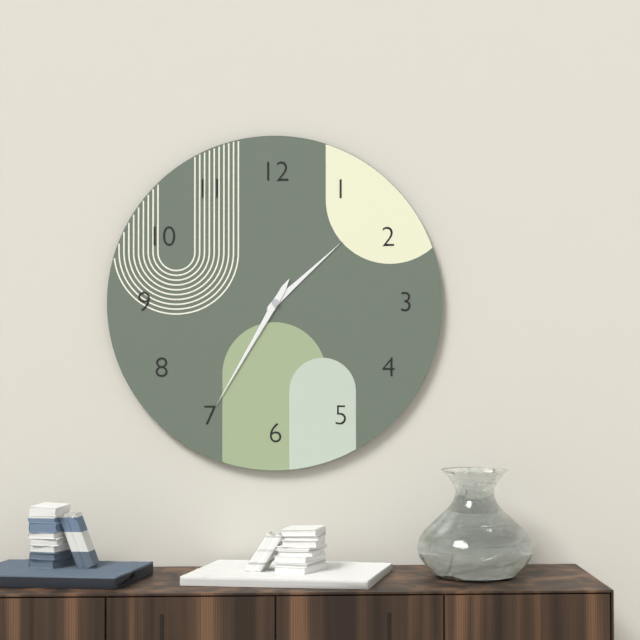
1:35
